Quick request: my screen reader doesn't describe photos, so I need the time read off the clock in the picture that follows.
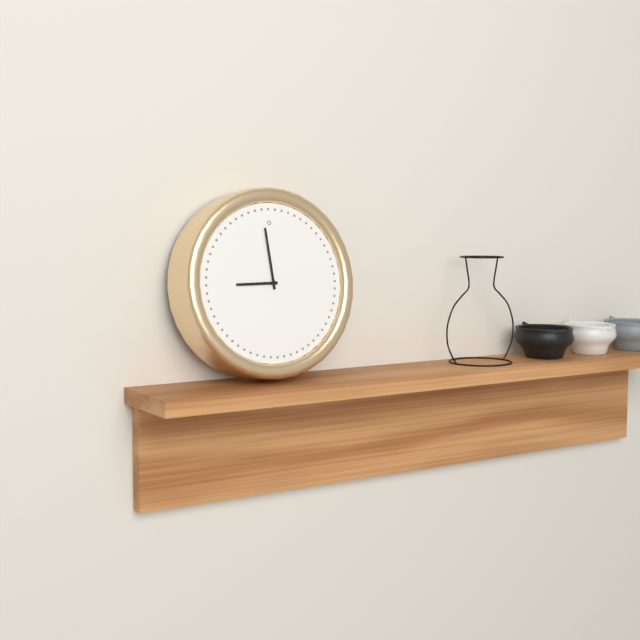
8:59
